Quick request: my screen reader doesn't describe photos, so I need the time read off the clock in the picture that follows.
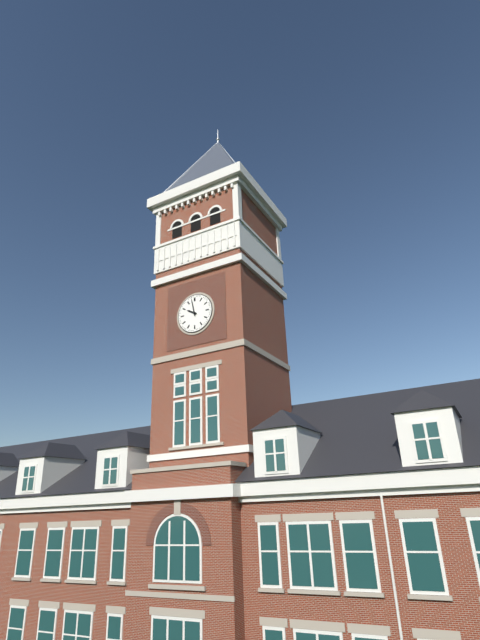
9:58
